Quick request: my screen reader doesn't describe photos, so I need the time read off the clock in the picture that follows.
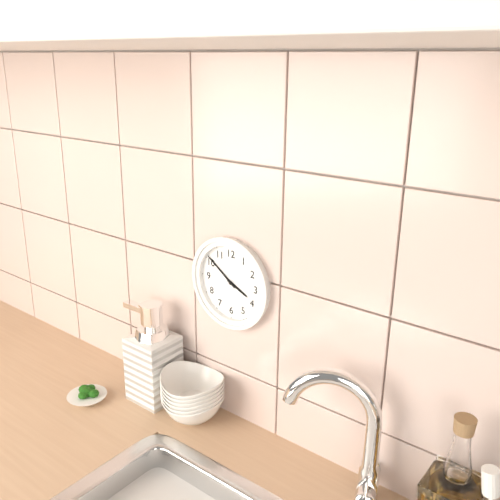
3:51
